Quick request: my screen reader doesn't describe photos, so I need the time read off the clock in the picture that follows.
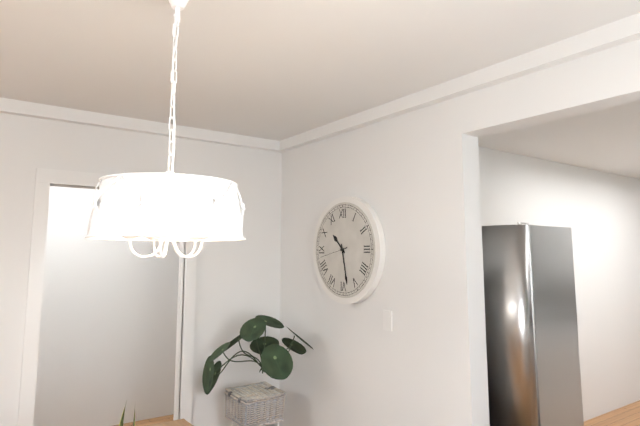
10:28
